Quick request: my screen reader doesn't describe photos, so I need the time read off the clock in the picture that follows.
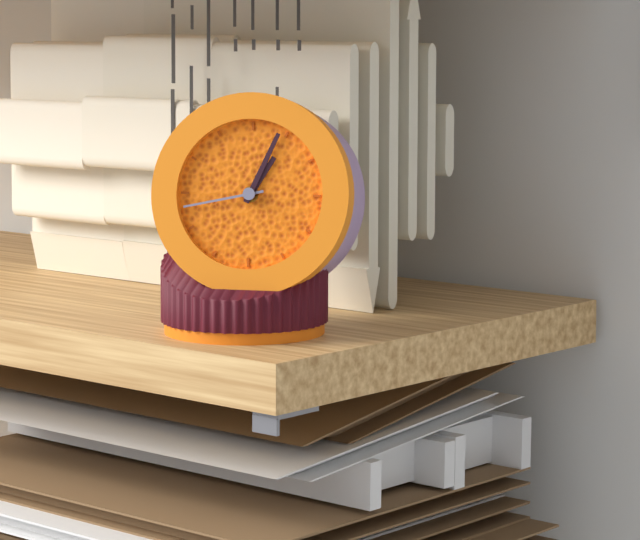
1:04:43
